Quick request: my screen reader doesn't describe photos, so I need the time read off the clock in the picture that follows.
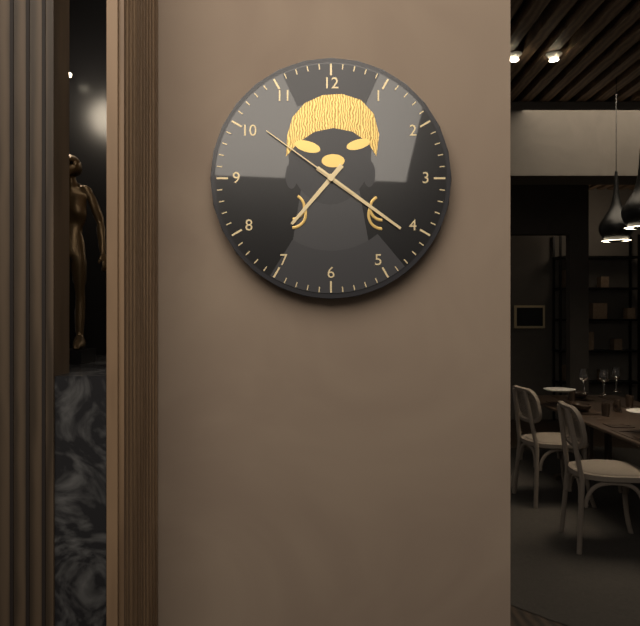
7:21:51
